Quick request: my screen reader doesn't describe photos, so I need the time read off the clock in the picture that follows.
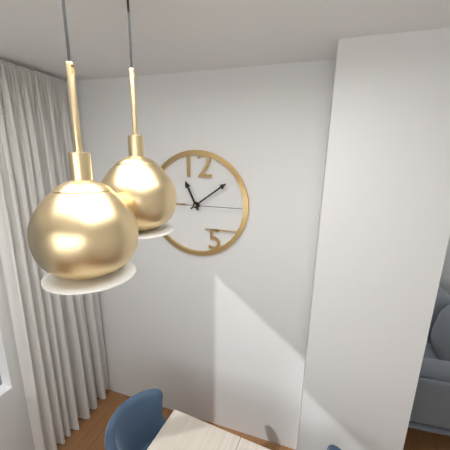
11:09:15
